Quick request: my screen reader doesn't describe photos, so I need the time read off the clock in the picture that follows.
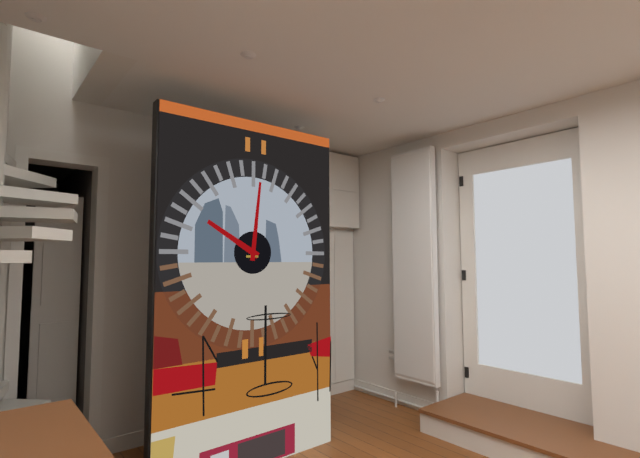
10:01
